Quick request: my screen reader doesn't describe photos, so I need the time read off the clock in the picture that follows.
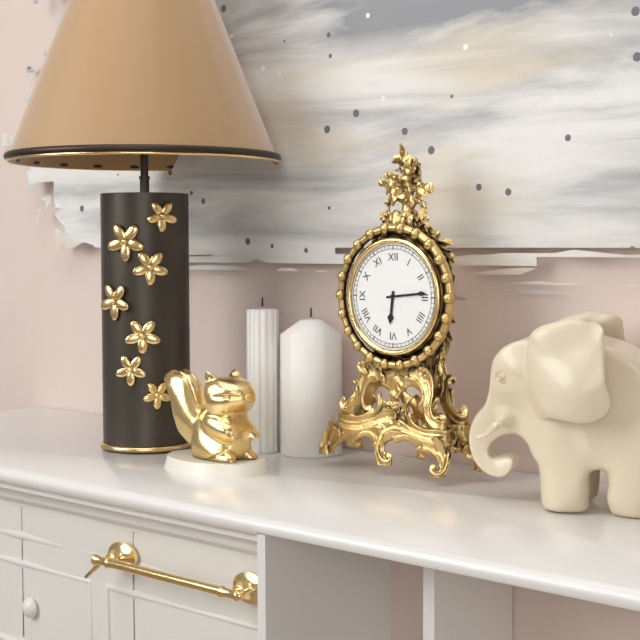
6:14
